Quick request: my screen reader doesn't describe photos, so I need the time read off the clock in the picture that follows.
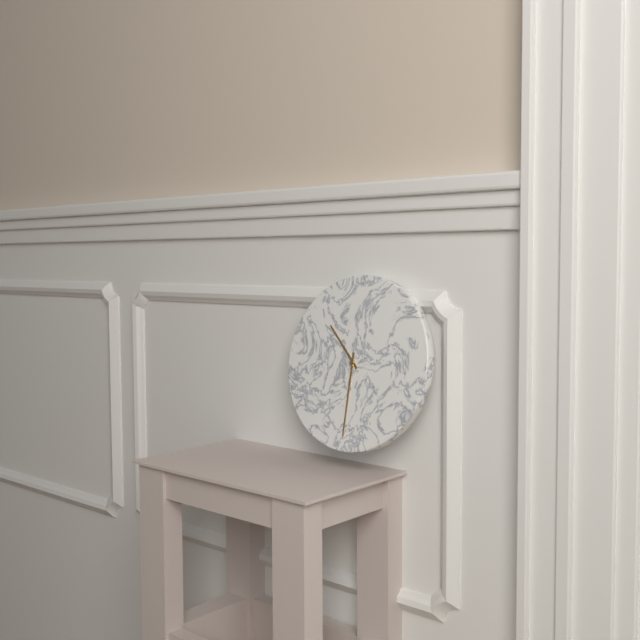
10:30
